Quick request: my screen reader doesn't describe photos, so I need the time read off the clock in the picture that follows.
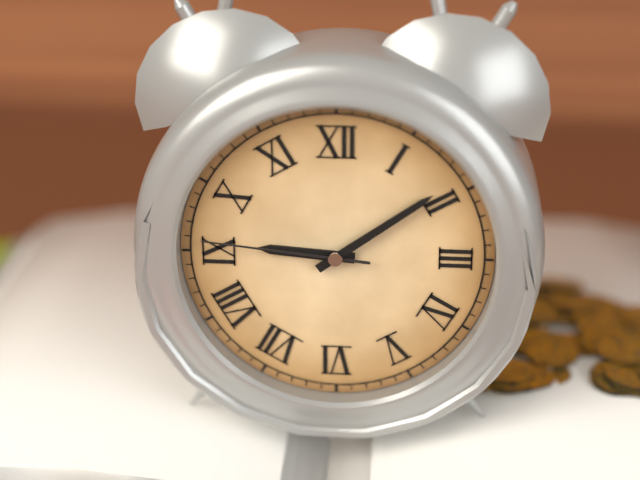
9:09:46
